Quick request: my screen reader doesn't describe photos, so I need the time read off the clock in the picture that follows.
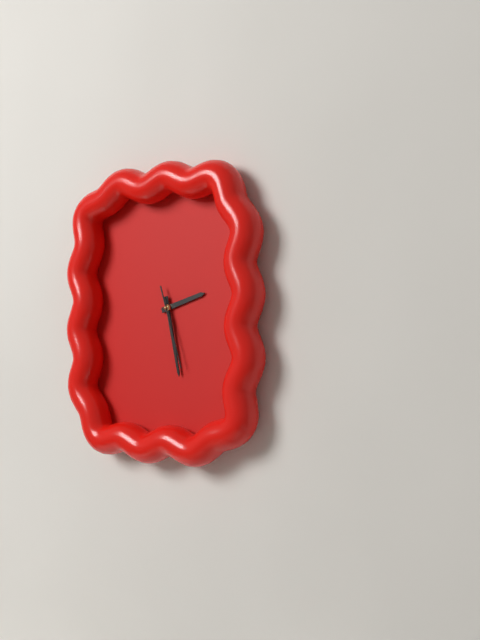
2:28:27
